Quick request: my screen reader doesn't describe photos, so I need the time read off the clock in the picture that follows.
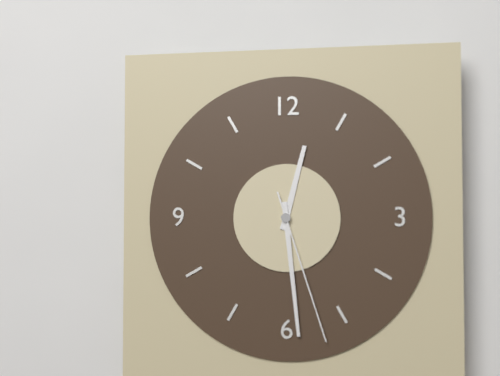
12:29:27
